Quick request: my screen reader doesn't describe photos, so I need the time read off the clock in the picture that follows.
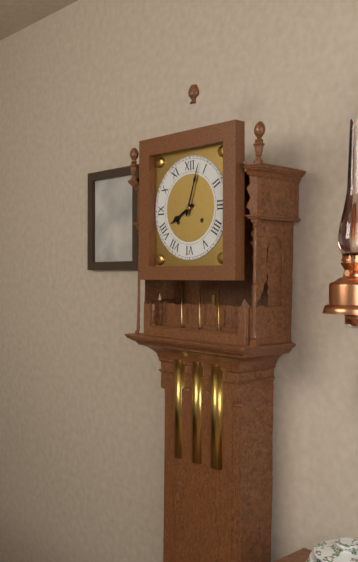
8:03
